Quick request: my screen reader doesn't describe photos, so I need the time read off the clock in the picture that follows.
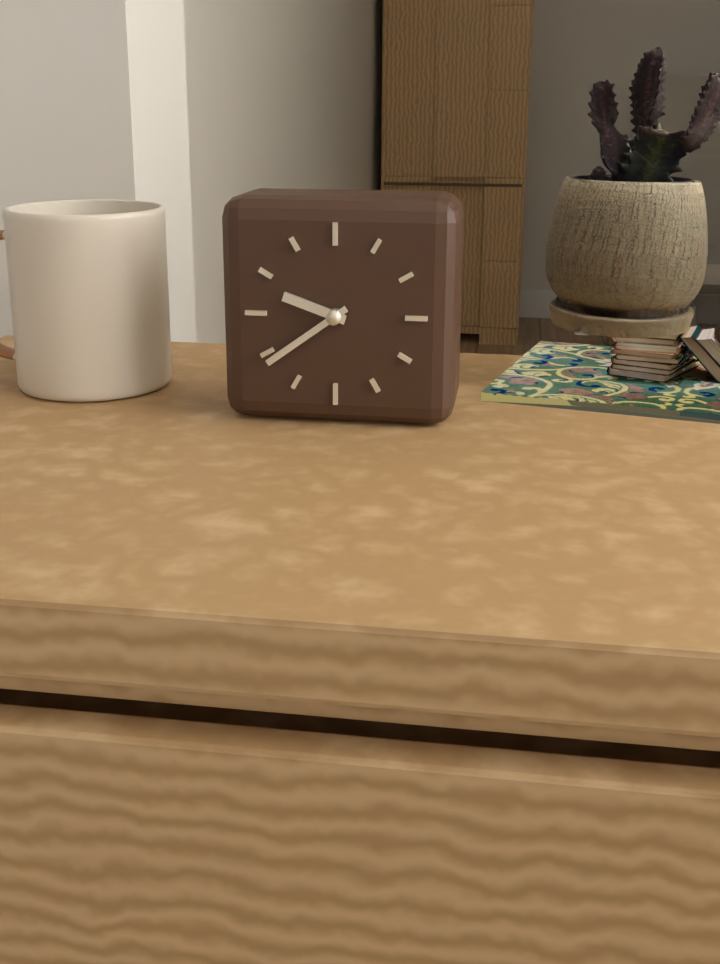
9:39
